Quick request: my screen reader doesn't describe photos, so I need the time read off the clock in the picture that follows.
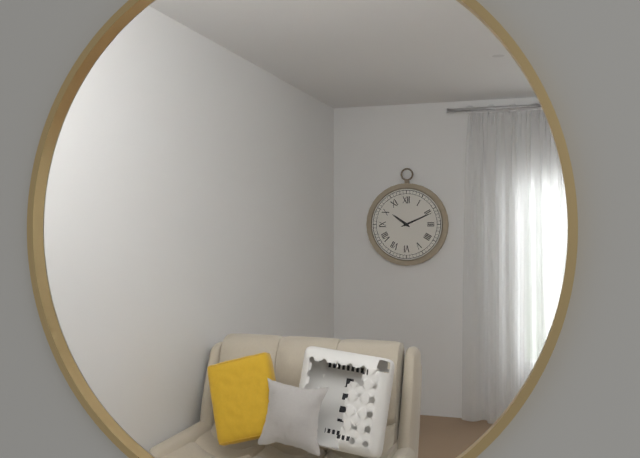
10:11
